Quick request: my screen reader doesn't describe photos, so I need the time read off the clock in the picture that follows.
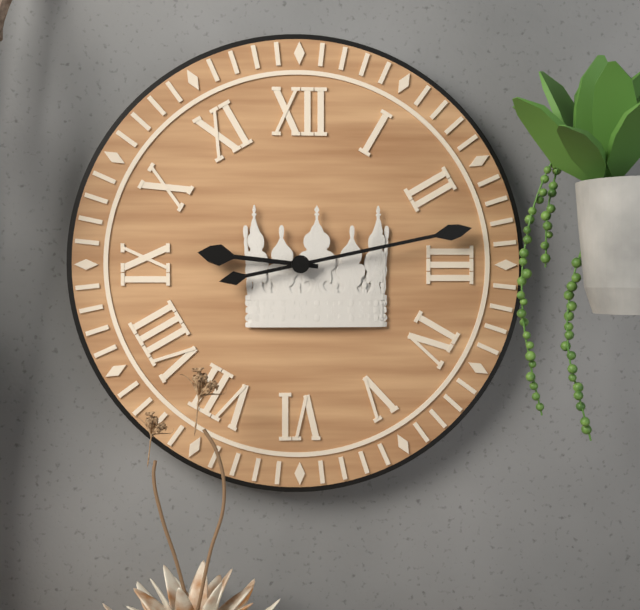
9:13
